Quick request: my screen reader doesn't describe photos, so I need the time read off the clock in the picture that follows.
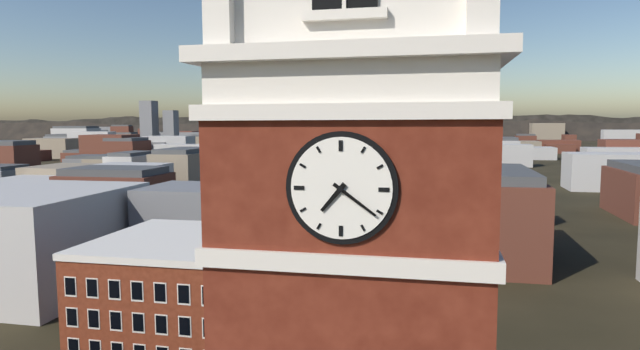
7:21
